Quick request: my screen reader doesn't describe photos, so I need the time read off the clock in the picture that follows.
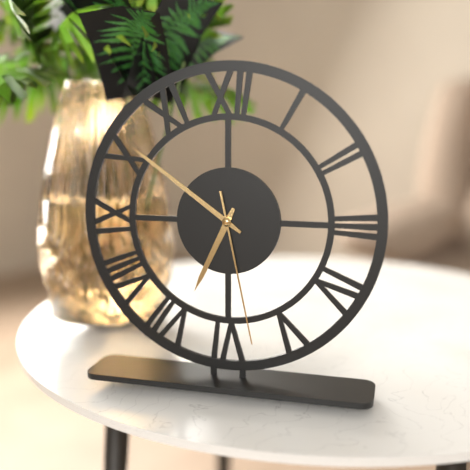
6:51:28
